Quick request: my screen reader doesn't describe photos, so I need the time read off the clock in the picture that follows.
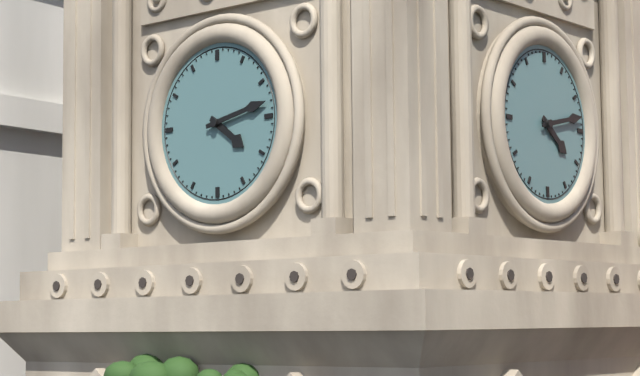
4:13
